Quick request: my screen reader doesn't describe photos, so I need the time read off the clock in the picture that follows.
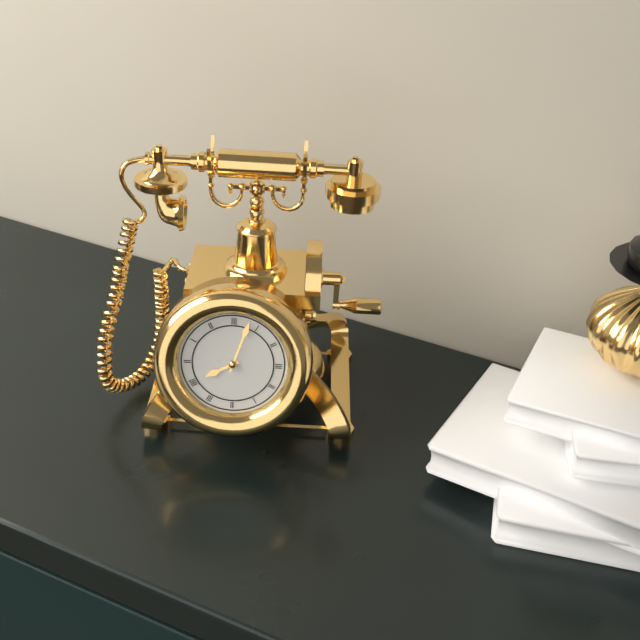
8:03
